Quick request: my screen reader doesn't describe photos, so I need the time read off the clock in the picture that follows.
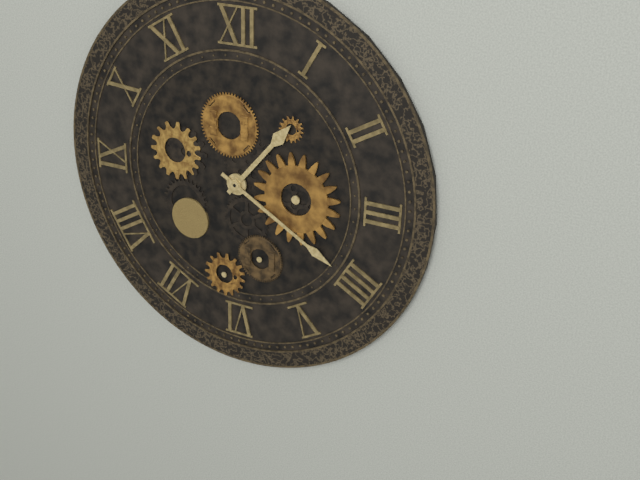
1:20
